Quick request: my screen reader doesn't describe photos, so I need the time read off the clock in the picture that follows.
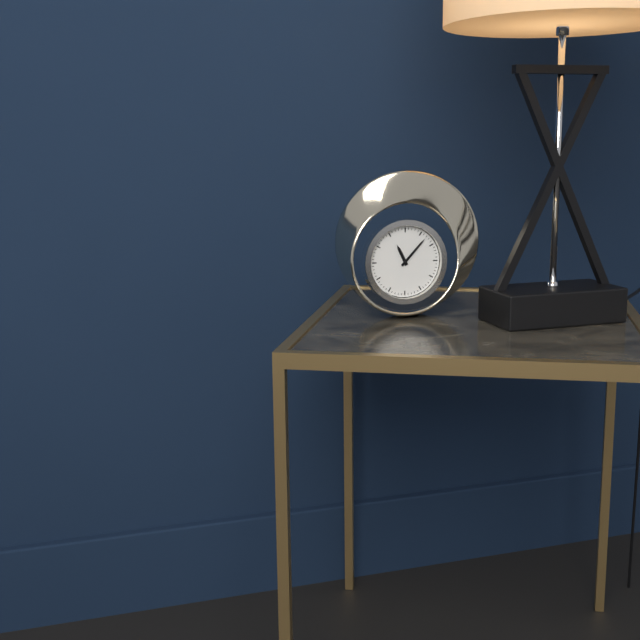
11:07
